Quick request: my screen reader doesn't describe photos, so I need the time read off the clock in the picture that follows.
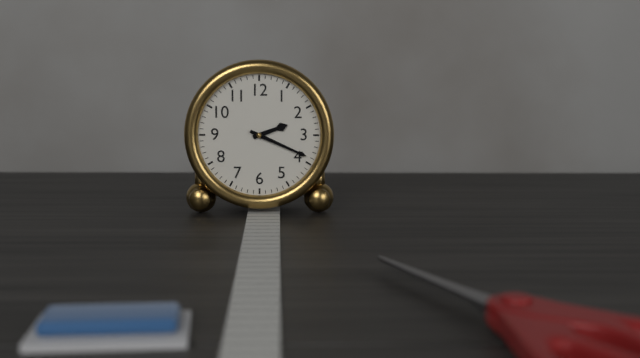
2:19
